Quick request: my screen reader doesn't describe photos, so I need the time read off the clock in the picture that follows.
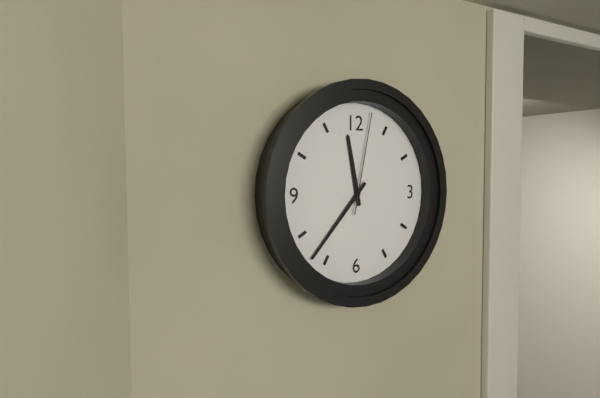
11:37:02
